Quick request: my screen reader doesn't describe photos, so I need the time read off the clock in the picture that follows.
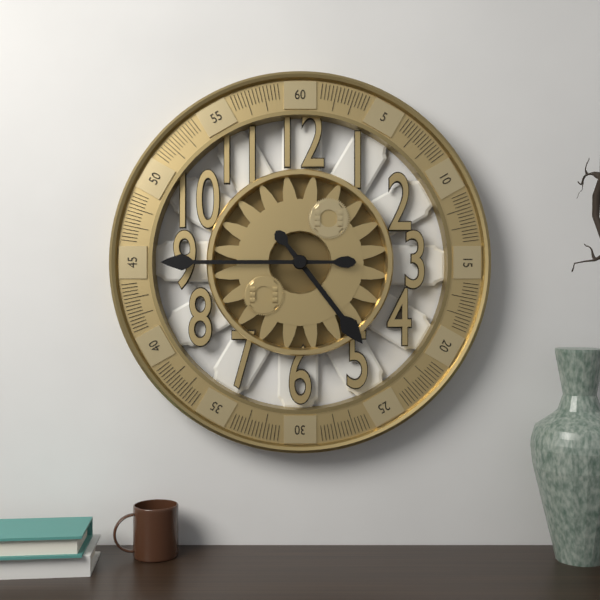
4:45
